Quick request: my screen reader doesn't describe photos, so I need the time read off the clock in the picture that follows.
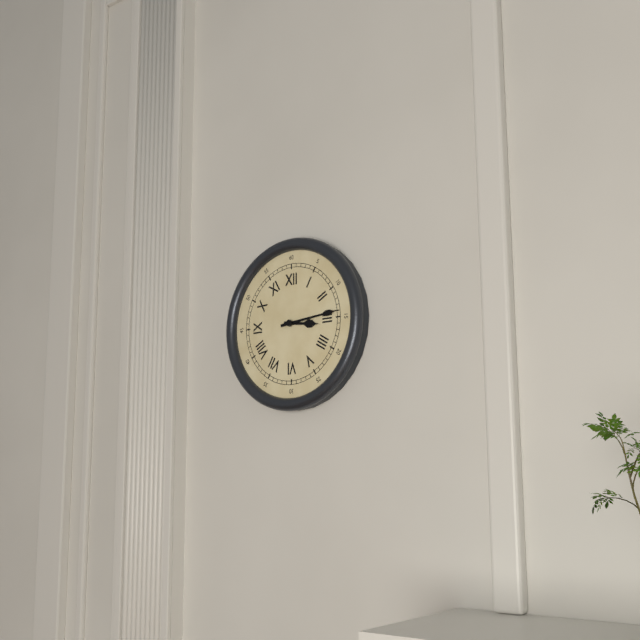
3:14
